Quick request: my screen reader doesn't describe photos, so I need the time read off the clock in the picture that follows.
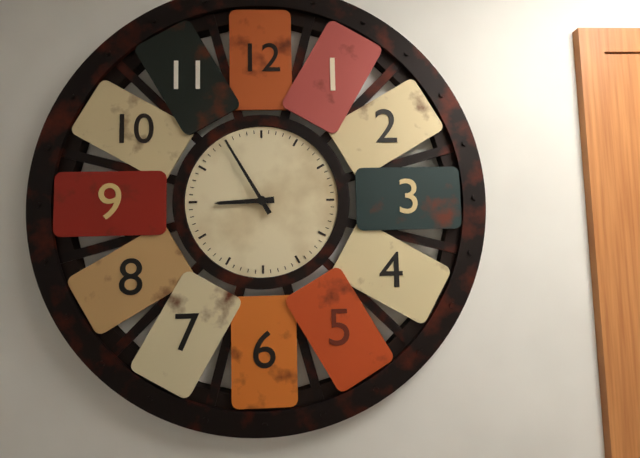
8:55
